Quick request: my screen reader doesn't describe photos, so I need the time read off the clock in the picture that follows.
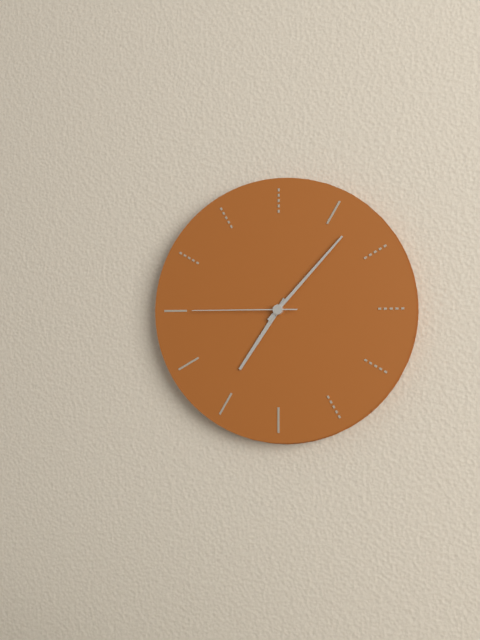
7:07:45
